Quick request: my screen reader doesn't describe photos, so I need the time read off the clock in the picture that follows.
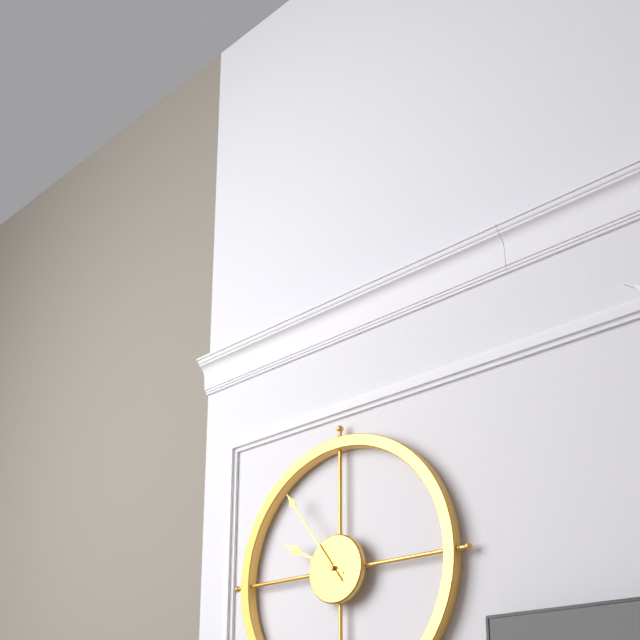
9:54
